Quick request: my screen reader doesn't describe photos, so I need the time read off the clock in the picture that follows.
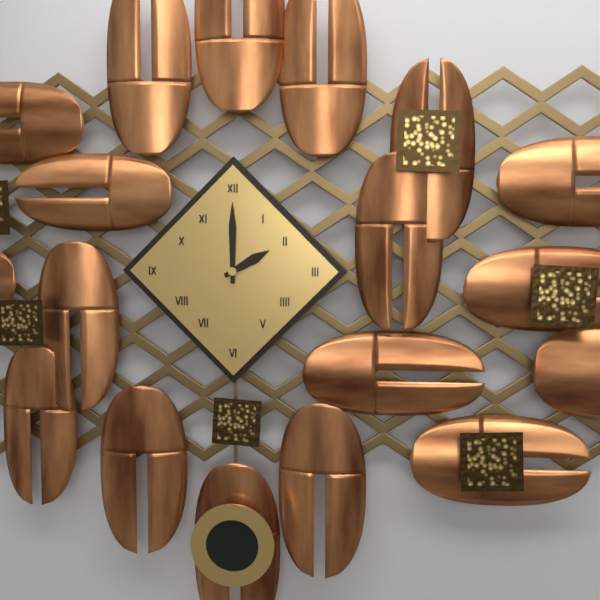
2:00
